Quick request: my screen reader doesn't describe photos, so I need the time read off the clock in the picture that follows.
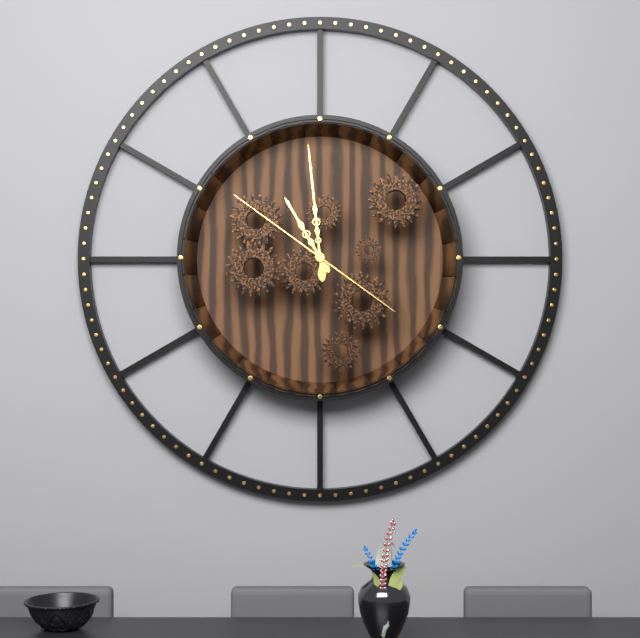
10:59:51
